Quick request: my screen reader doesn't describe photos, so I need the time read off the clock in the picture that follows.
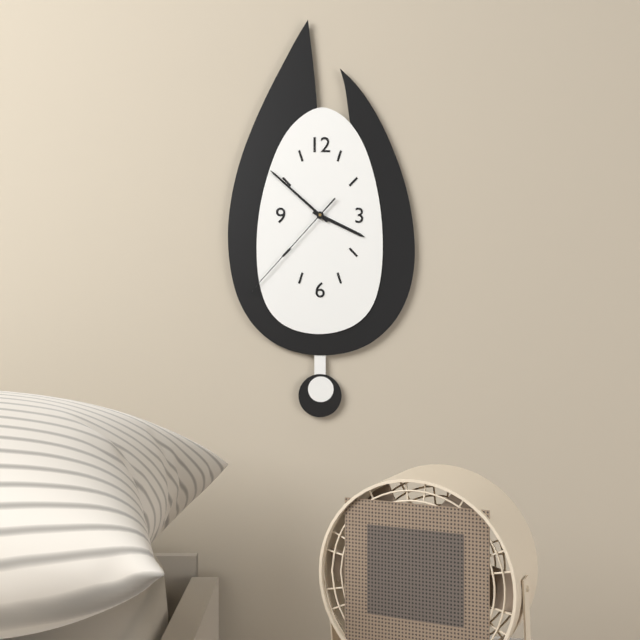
3:52:37
